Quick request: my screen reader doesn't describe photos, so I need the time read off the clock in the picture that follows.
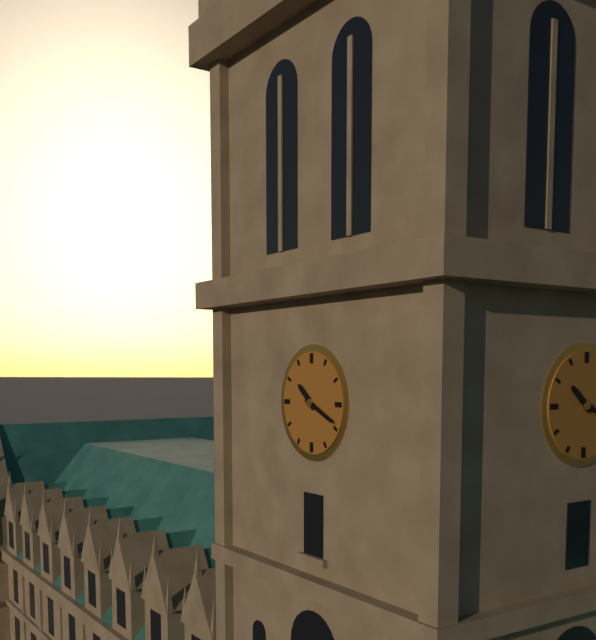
10:19
